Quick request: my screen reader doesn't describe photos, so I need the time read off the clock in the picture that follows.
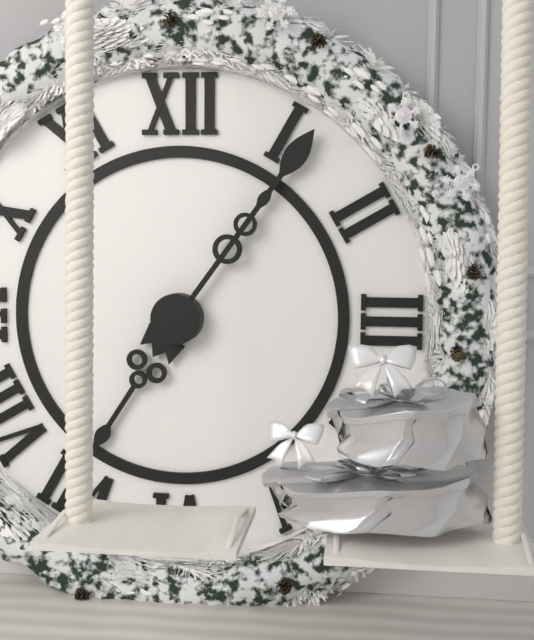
7:06
